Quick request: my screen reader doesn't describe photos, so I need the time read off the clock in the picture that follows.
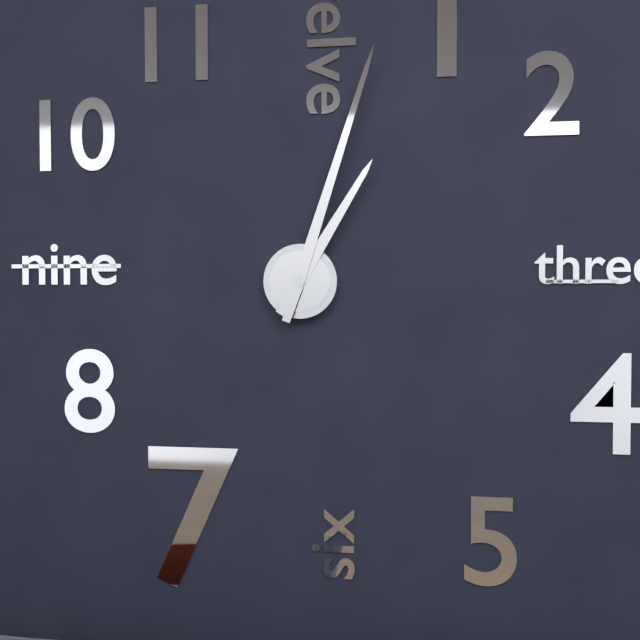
1:03
